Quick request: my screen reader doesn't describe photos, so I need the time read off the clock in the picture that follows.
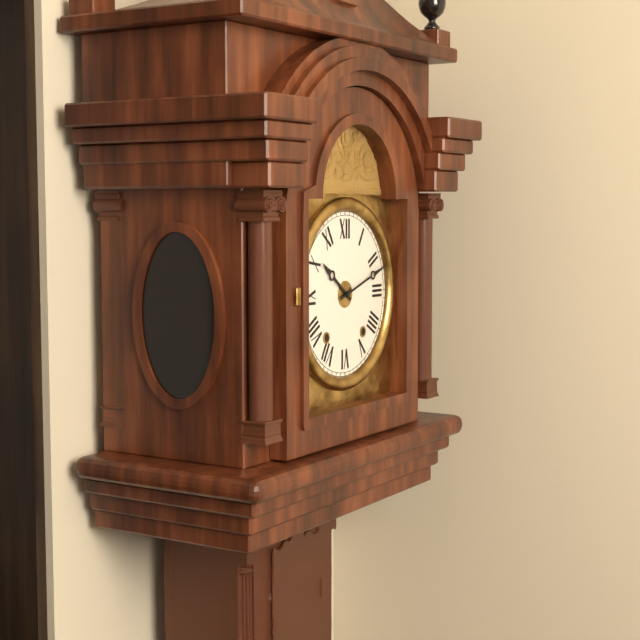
10:12
